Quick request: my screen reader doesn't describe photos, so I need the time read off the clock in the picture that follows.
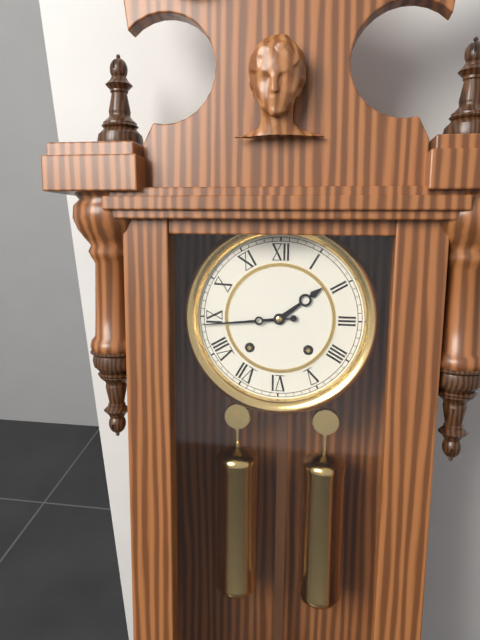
1:44
